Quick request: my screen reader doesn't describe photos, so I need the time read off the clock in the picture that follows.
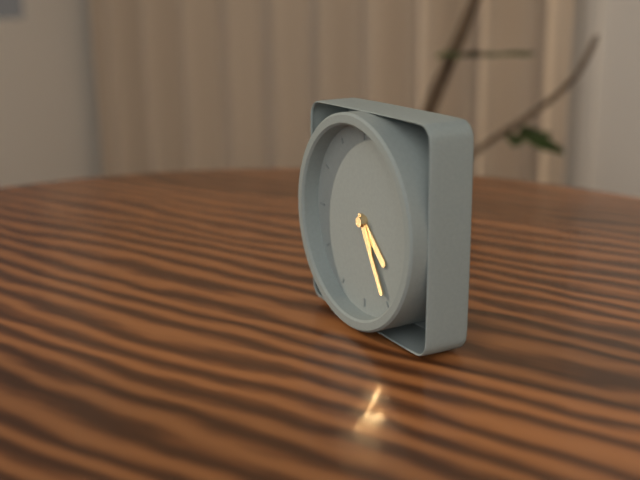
4:25
